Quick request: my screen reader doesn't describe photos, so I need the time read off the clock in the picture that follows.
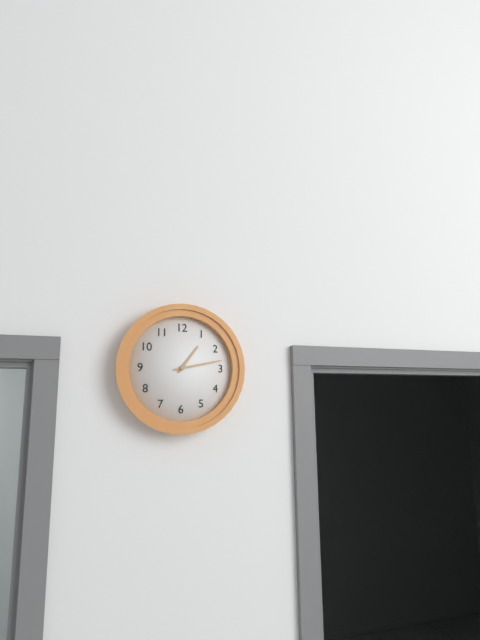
1:13
